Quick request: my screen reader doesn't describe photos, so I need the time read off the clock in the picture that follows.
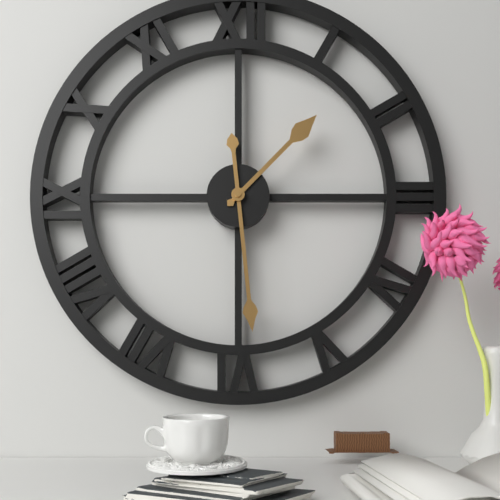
1:29
